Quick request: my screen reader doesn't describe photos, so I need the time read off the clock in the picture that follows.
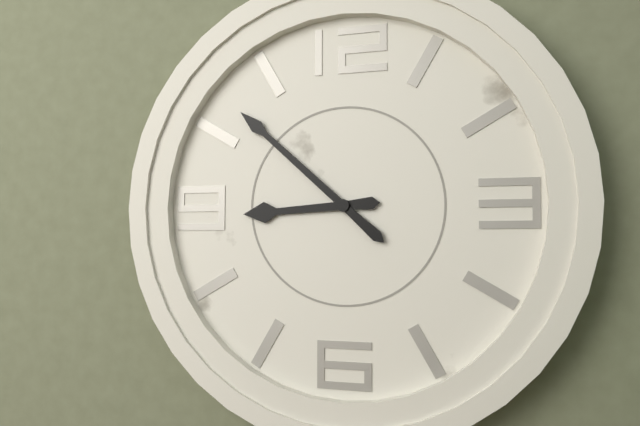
8:52
